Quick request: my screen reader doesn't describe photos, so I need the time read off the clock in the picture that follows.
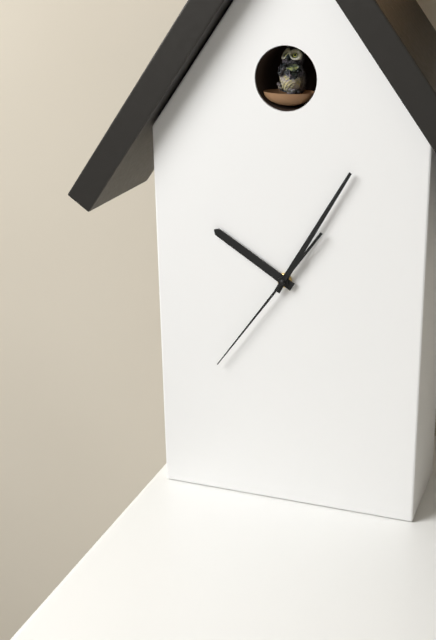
10:05:36
